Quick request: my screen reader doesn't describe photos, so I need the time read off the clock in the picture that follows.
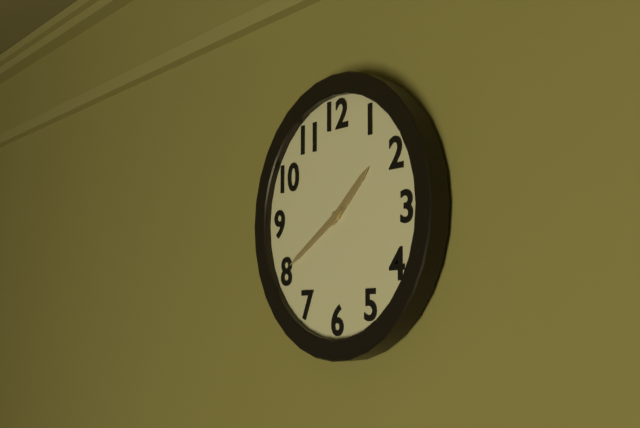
1:40
